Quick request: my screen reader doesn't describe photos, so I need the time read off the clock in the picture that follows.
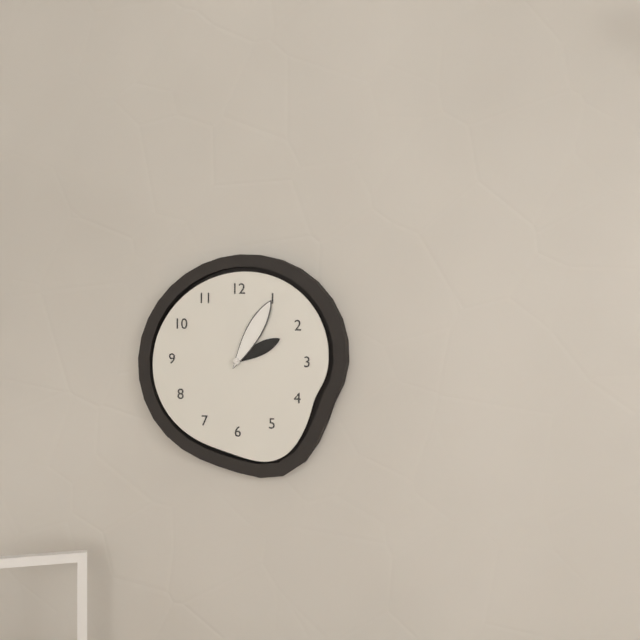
2:05
